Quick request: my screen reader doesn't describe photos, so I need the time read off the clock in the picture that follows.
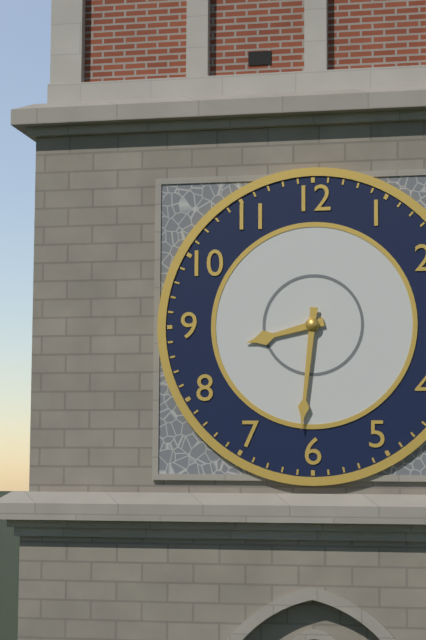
8:31
